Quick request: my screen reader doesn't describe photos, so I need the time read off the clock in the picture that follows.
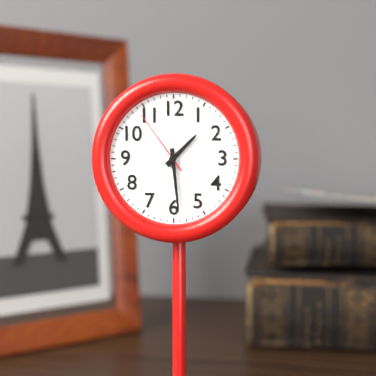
1:29:54
